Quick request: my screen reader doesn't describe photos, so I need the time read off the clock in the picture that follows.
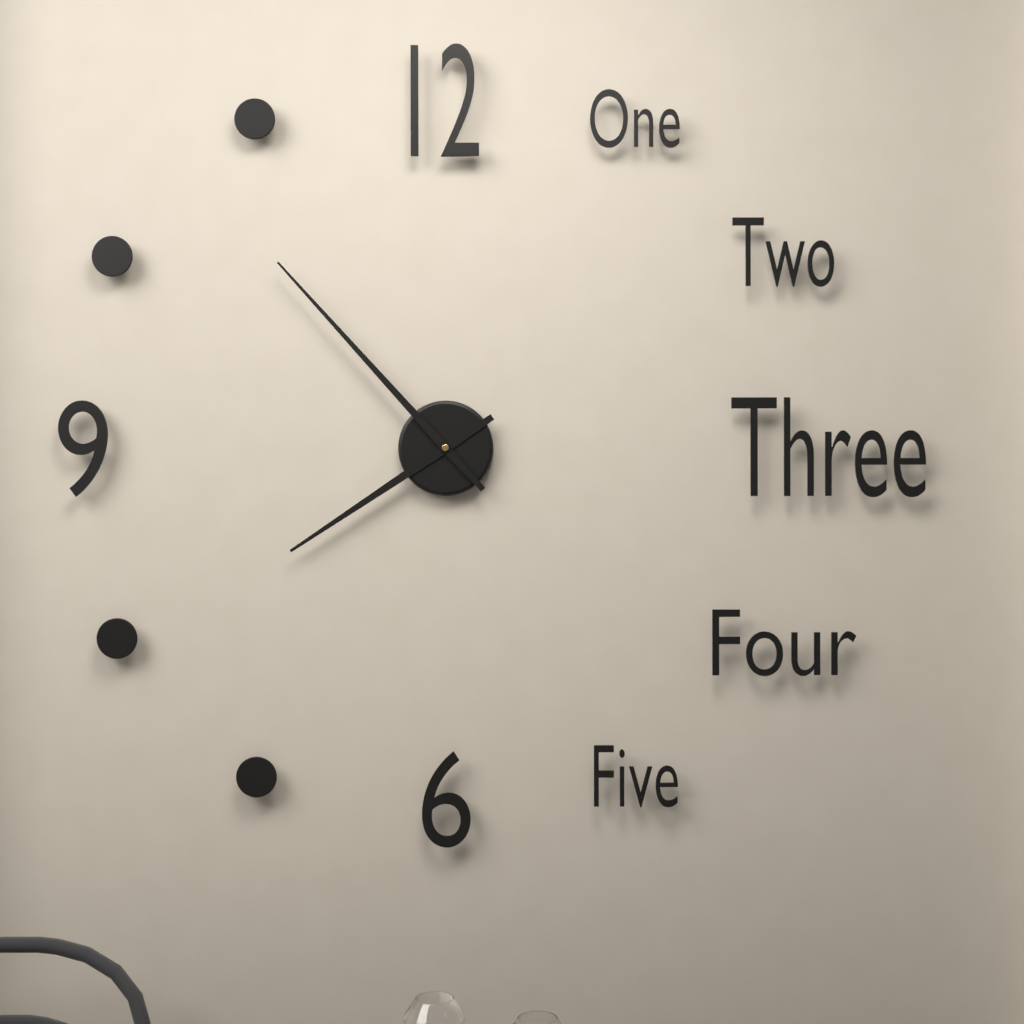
7:53
